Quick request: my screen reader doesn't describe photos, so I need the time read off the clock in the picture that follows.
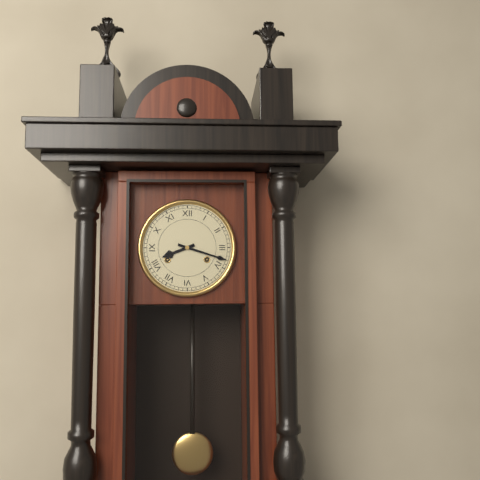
8:18
